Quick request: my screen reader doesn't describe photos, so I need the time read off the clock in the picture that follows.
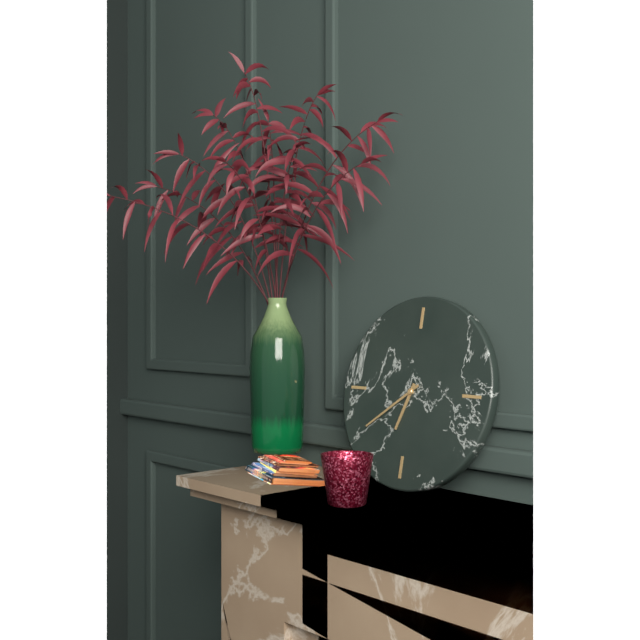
6:39
